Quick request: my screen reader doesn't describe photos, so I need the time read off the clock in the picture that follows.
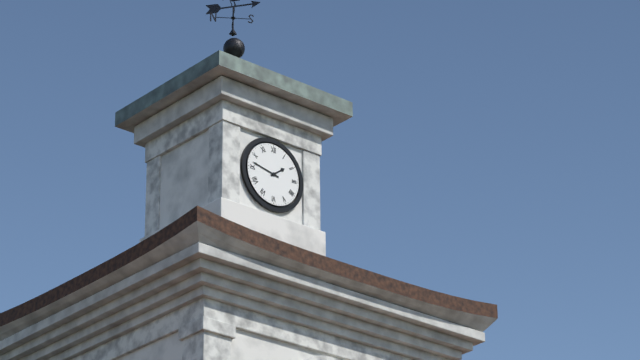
1:47
